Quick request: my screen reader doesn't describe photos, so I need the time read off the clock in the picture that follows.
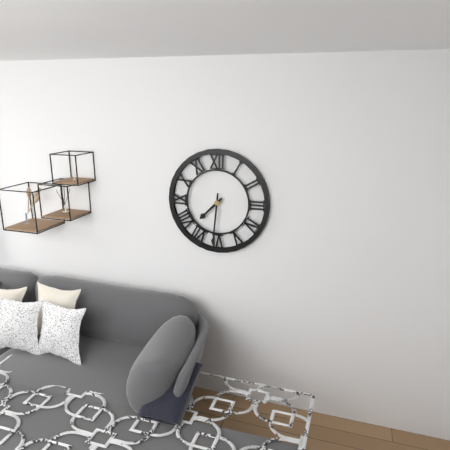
7:31
